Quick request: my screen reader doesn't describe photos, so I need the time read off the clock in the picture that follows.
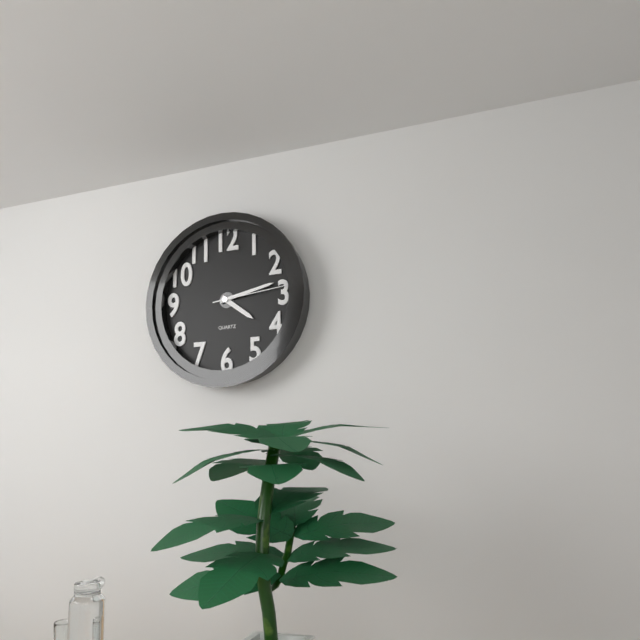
4:13:14
